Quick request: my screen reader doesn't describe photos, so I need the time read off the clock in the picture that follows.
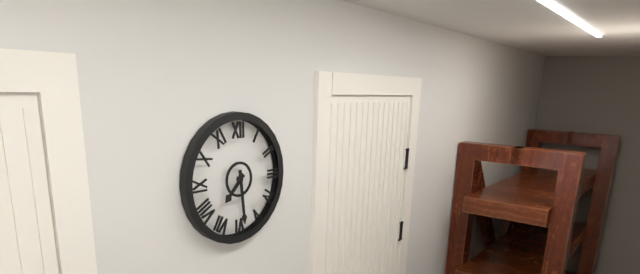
7:29
